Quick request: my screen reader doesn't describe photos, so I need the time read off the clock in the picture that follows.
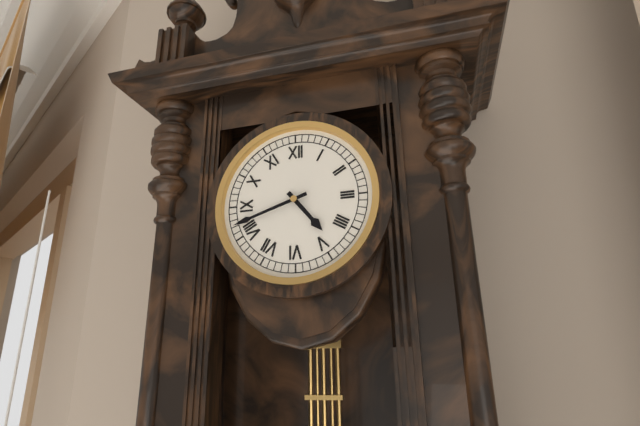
4:42
